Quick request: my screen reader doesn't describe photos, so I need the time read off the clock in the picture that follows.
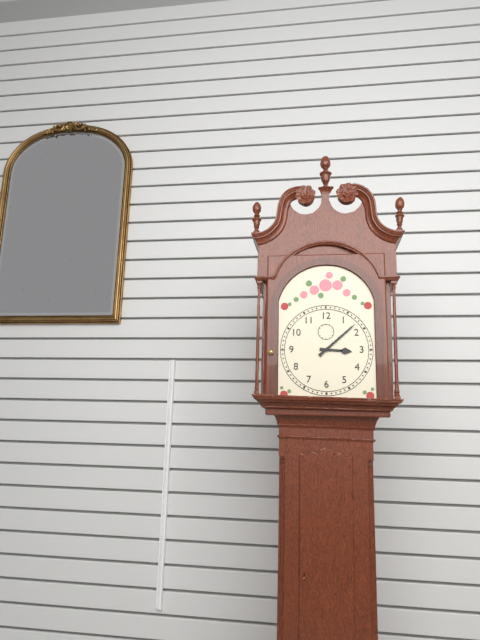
3:08
